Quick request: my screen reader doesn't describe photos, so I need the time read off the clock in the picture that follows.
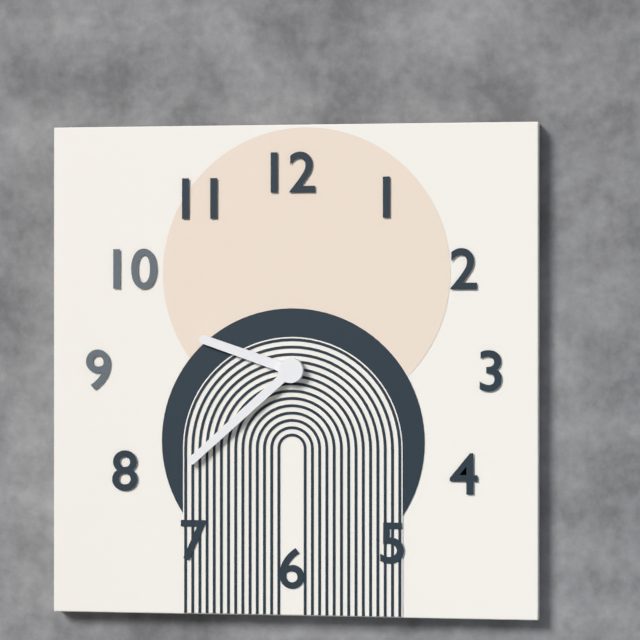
9:38
